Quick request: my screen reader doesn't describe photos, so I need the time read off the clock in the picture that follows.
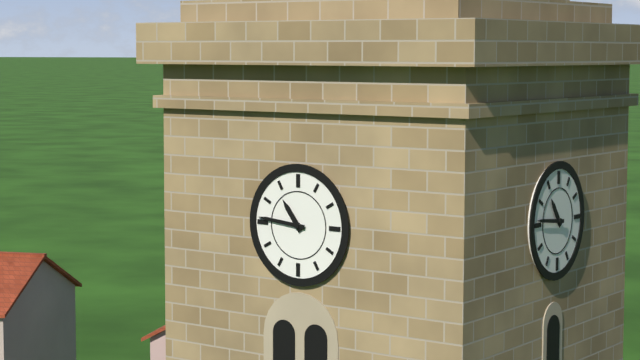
10:46
